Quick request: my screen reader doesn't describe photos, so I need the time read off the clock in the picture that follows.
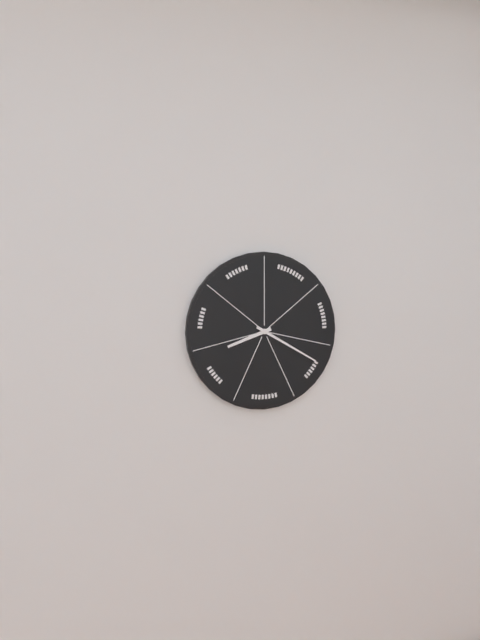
8:20
